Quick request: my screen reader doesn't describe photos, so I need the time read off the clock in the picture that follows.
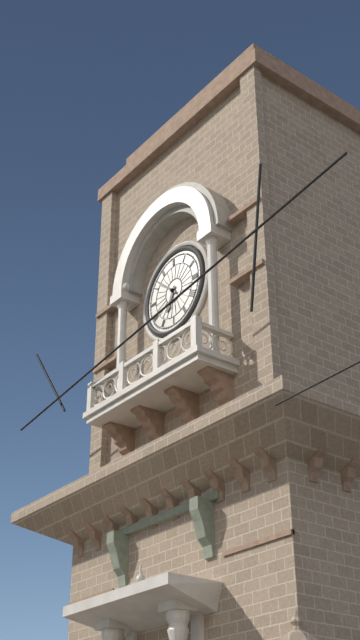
6:52
